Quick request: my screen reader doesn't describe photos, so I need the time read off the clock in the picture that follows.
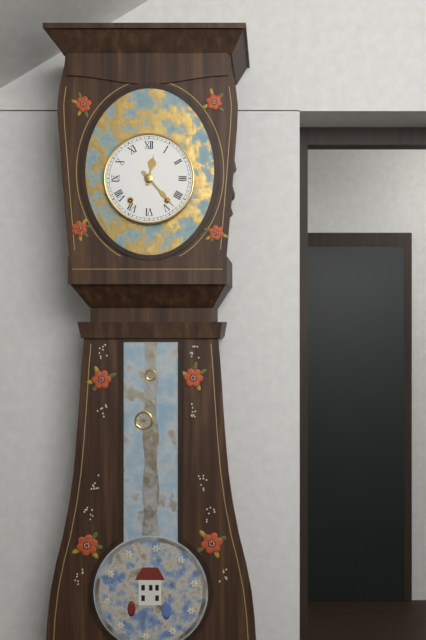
12:23
